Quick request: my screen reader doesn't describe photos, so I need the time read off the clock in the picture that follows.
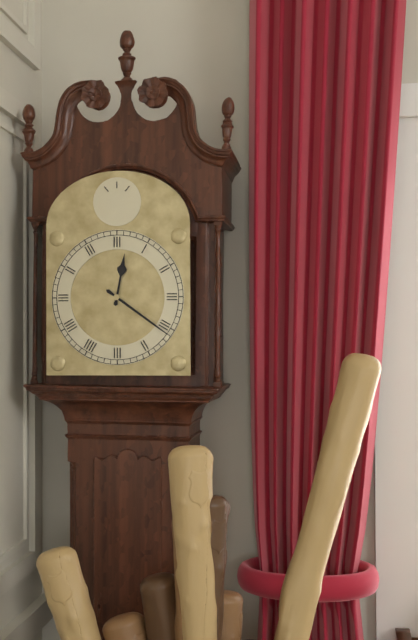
12:21
